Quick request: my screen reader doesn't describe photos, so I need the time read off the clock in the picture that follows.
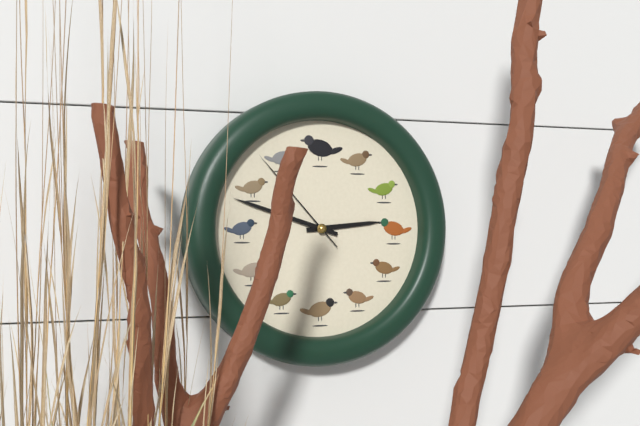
2:48:53
